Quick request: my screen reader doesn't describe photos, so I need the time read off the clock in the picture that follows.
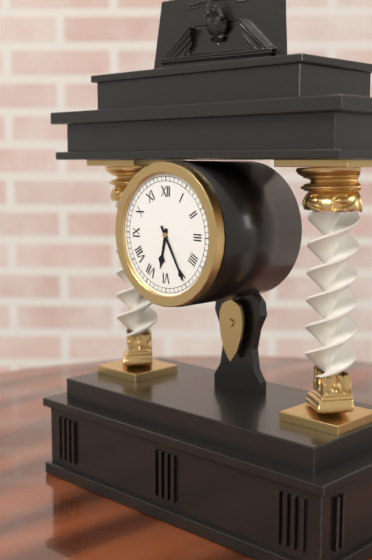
6:25
